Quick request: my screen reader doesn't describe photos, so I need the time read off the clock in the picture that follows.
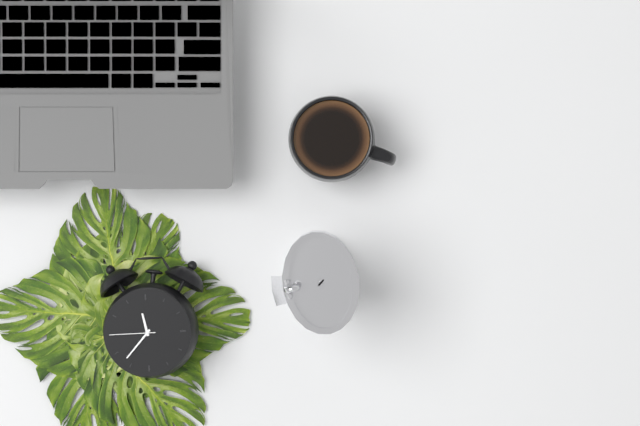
11:37
